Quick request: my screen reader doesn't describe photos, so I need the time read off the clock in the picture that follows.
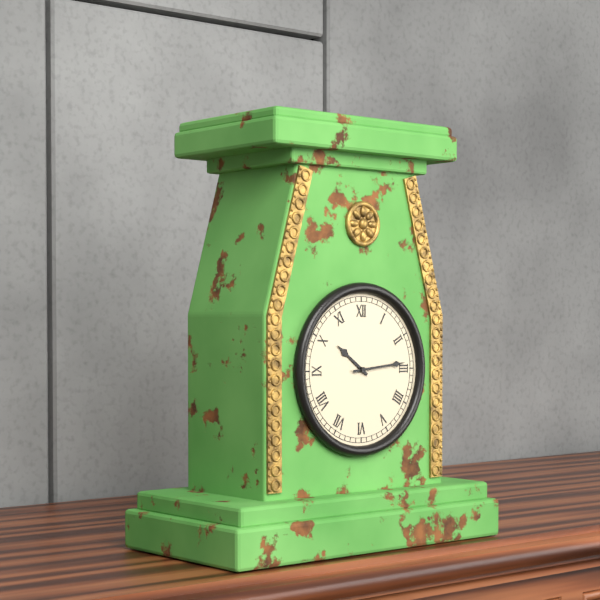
10:14
